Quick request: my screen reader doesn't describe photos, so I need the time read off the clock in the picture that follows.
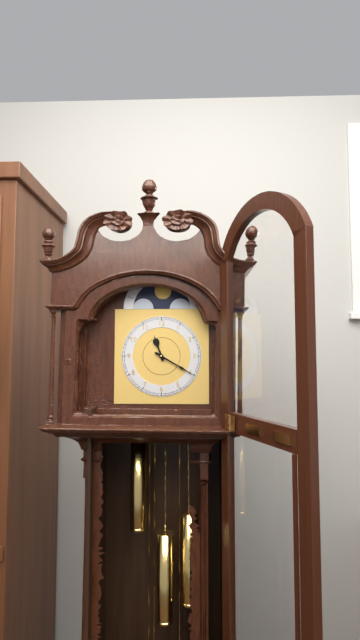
11:20
